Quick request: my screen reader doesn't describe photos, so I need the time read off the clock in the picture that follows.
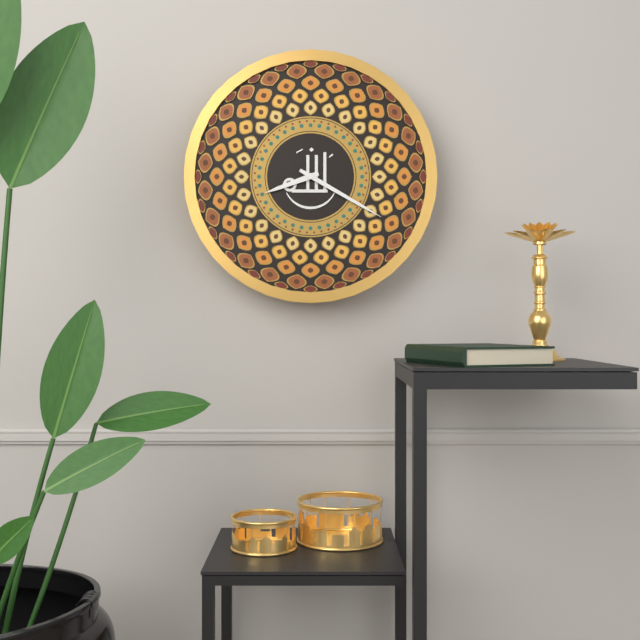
8:20
